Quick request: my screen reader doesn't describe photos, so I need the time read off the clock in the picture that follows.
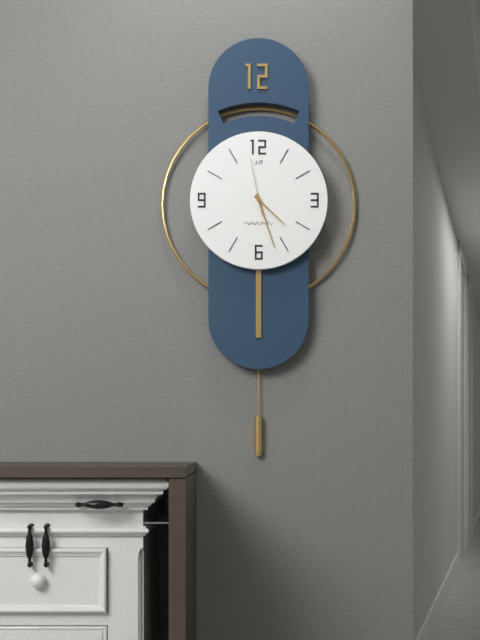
4:27:58
